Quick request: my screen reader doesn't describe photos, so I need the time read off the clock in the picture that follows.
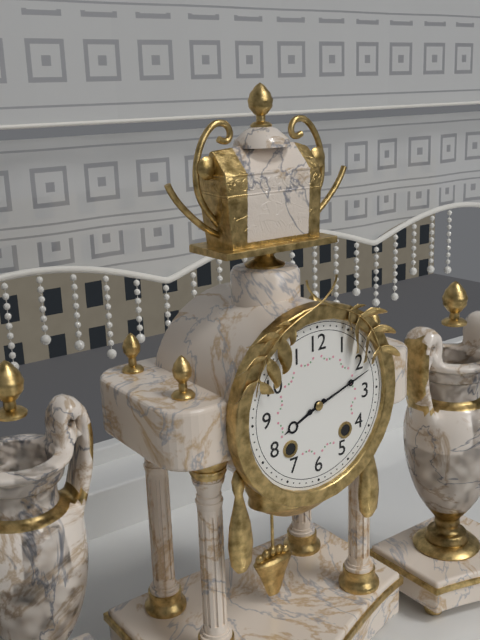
8:12
